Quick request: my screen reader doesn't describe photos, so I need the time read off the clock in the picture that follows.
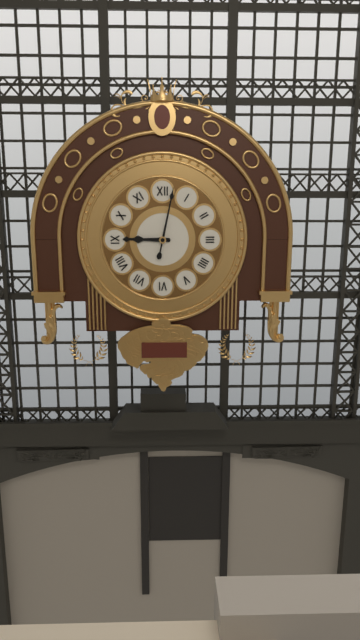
9:02
